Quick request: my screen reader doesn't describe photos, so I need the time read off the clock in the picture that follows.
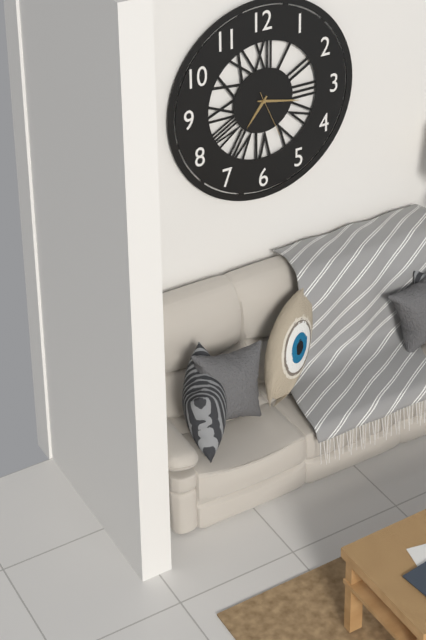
7:17:26
